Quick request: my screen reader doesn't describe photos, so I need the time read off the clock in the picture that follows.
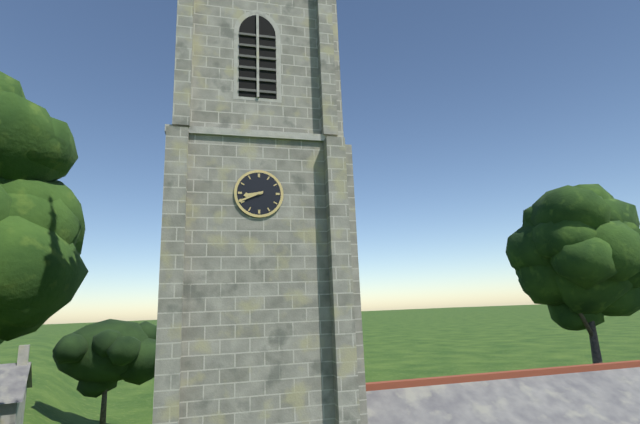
8:41
